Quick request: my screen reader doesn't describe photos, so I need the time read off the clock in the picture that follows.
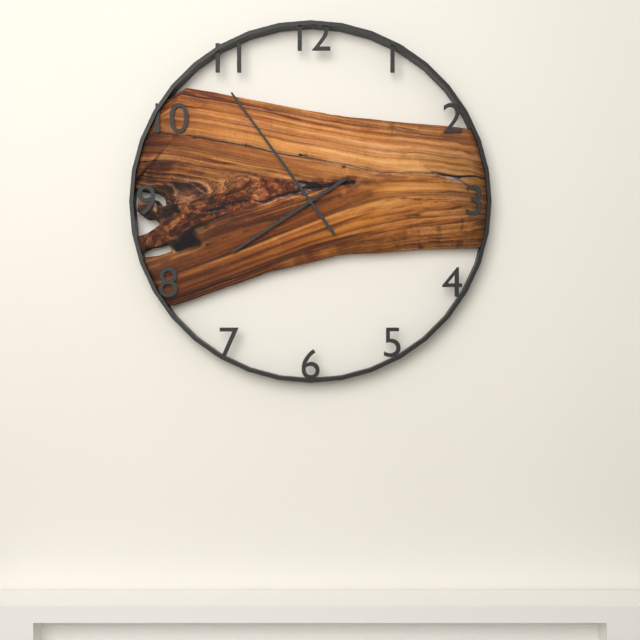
7:54
